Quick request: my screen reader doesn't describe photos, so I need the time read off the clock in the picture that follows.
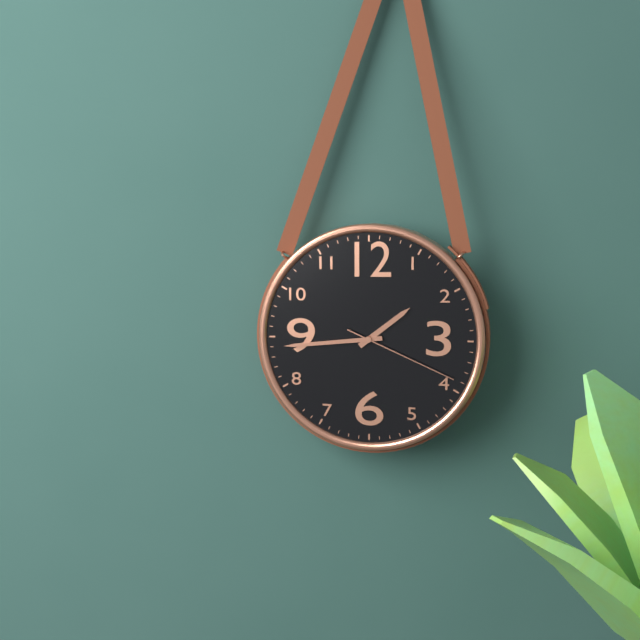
1:44:19
